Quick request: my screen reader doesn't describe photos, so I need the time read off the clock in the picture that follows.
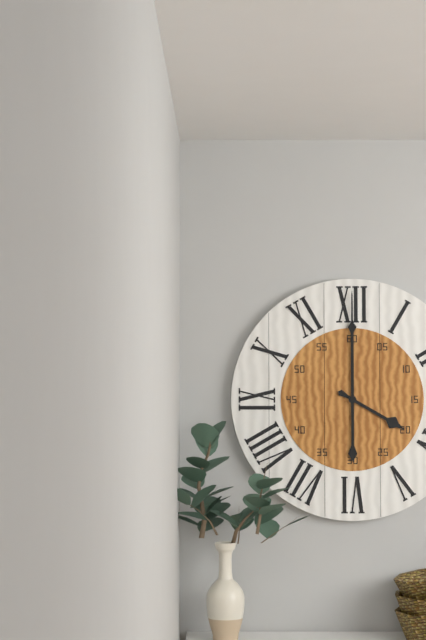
4:00
